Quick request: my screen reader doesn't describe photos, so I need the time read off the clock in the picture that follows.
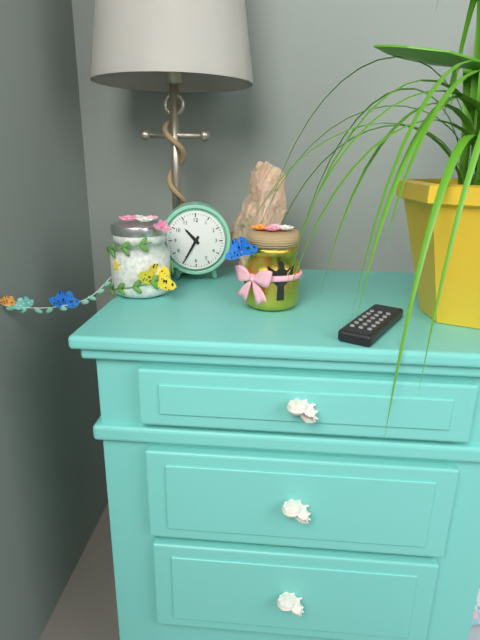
10:35
